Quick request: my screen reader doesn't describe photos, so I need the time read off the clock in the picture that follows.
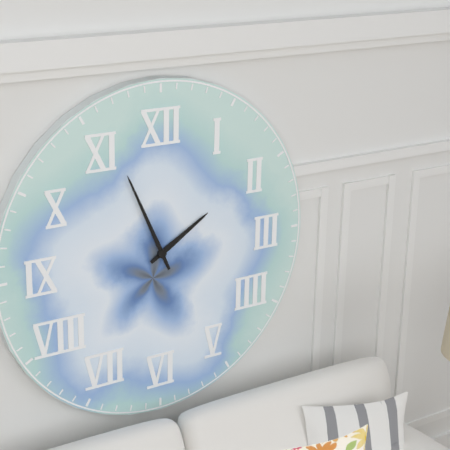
1:56
